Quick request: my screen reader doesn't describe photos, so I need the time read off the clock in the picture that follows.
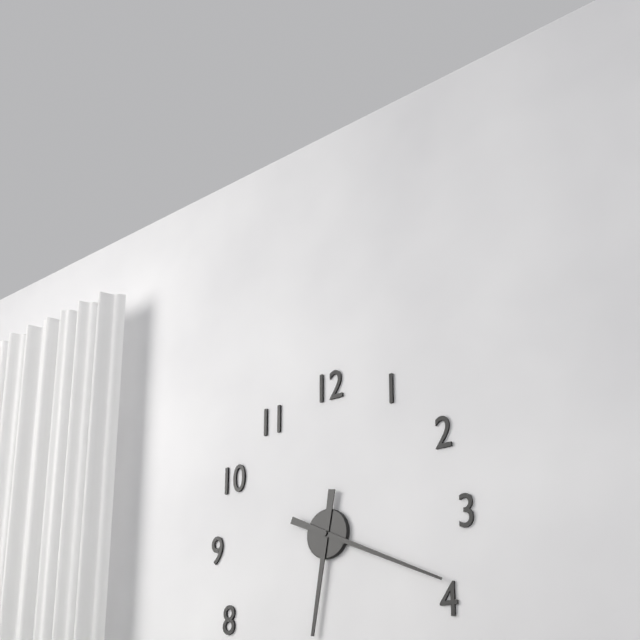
6:19
